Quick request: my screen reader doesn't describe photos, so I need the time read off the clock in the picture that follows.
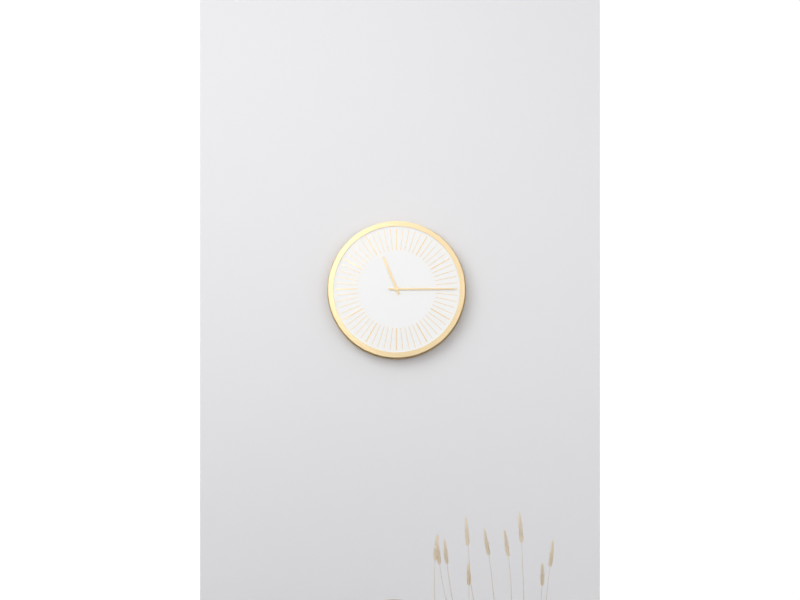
11:15
